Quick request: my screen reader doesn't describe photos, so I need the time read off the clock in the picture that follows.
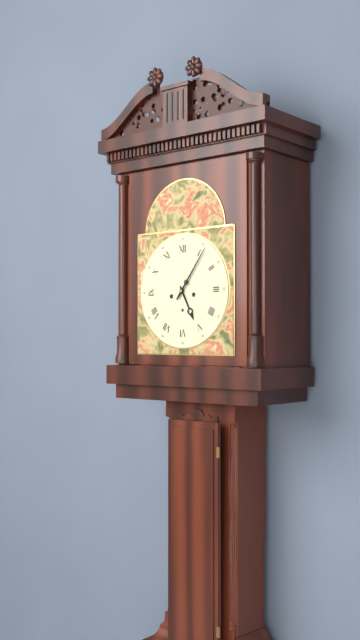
5:06
